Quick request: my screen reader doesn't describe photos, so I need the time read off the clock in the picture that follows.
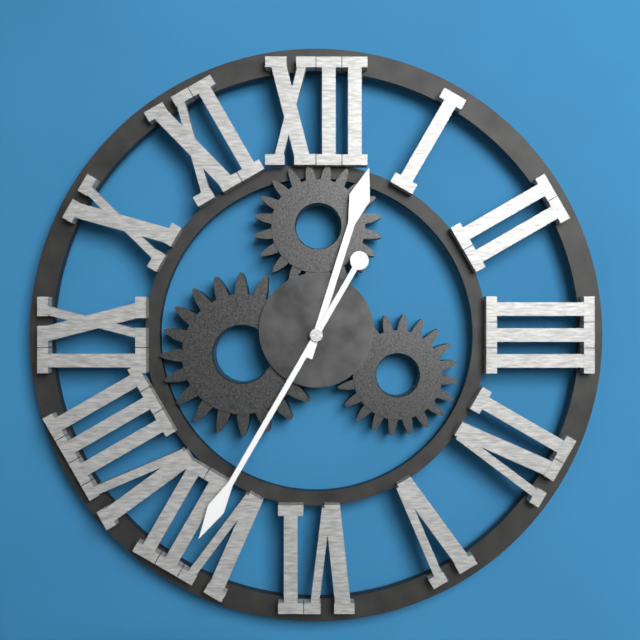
12:35
